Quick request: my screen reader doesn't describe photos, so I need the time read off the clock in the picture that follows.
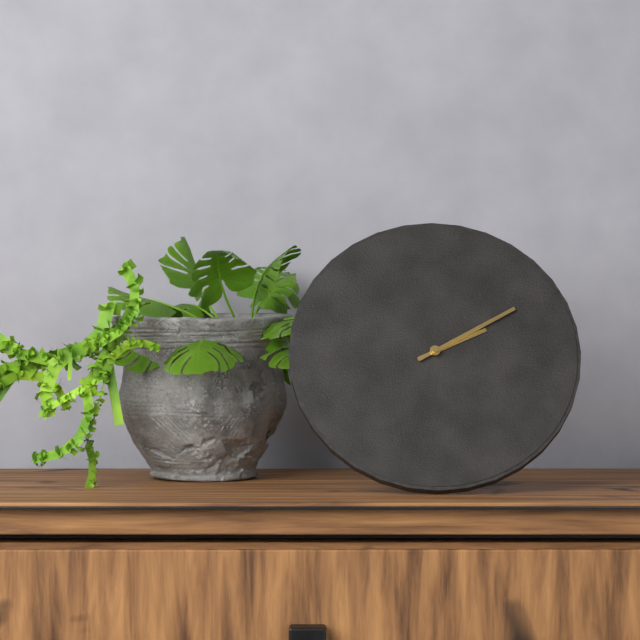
2:10
